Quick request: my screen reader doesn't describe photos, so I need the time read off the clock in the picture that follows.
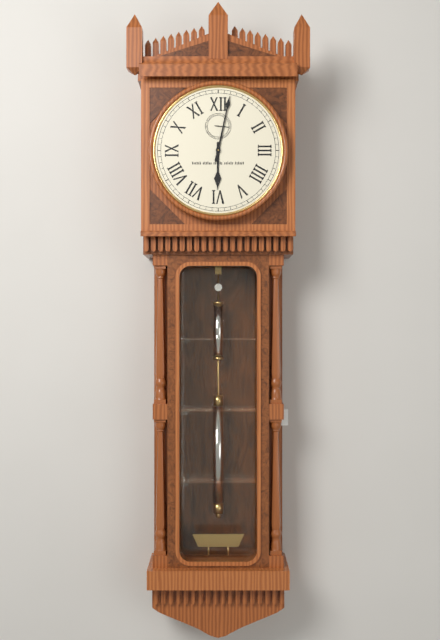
6:02
